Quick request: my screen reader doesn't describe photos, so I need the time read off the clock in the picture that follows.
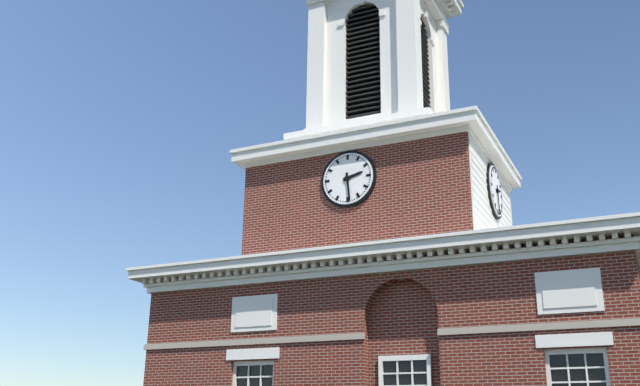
2:29
